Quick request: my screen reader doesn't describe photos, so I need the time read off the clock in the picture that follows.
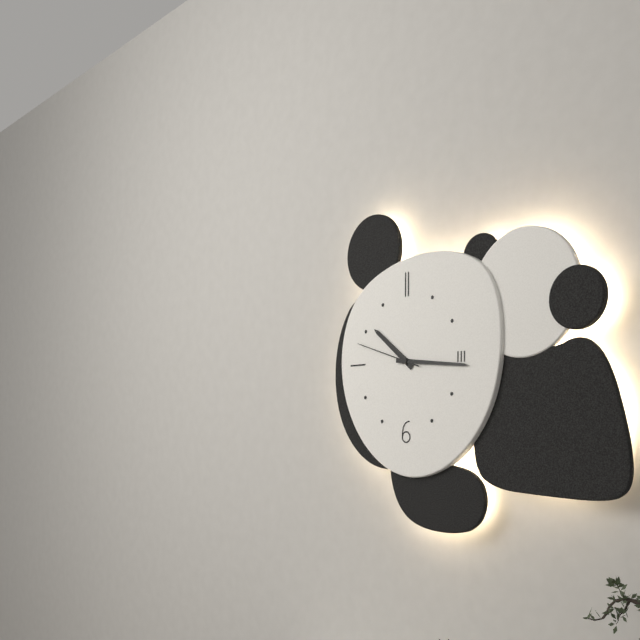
10:16:48
